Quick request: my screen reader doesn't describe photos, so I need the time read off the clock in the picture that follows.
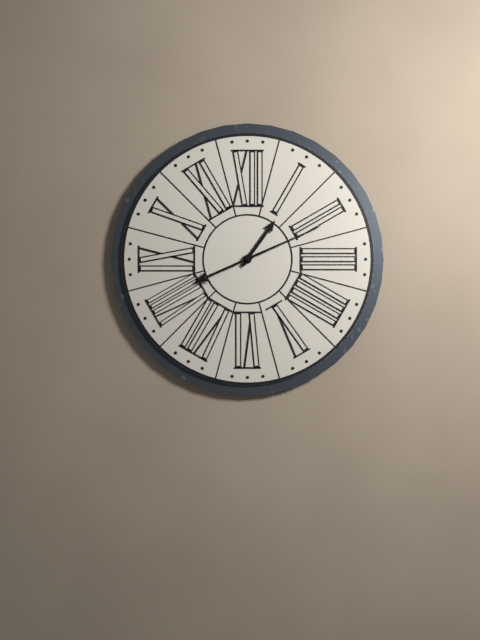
1:11
